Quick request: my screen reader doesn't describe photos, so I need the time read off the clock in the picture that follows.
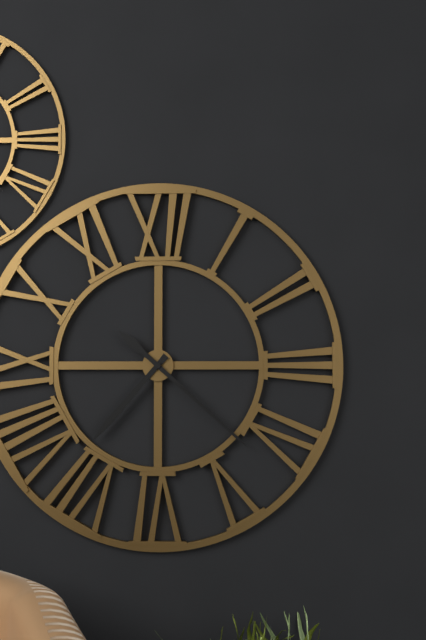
7:22
